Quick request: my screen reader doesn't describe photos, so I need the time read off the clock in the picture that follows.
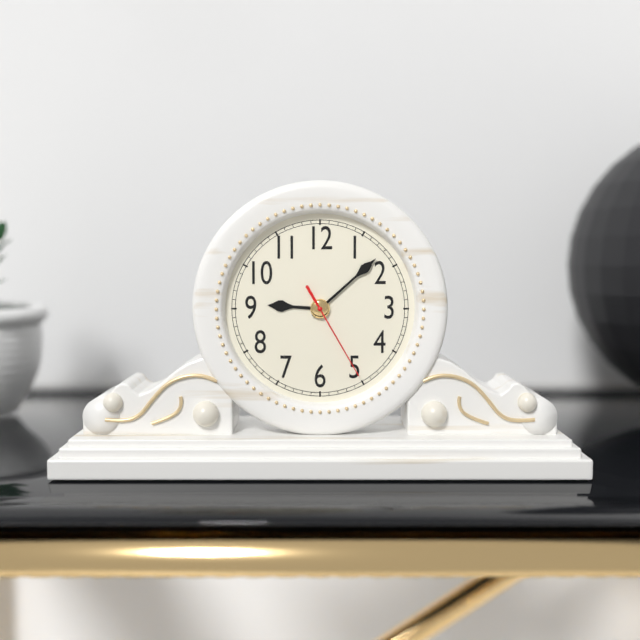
9:08:25
